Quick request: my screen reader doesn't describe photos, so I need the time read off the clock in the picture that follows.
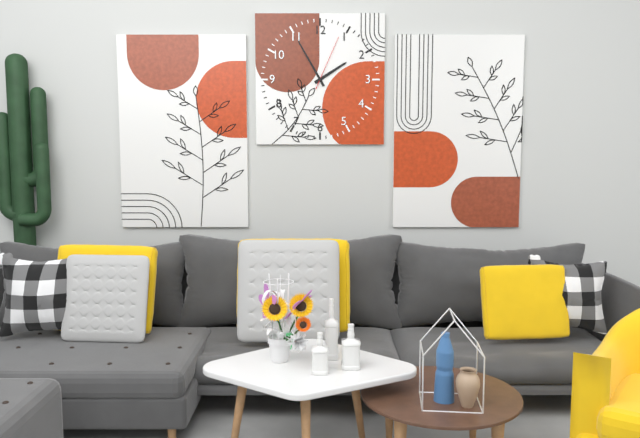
1:55:04
